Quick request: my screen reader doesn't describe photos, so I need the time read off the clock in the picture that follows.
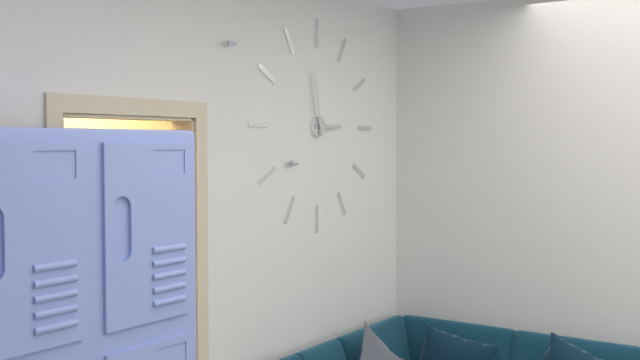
2:58
